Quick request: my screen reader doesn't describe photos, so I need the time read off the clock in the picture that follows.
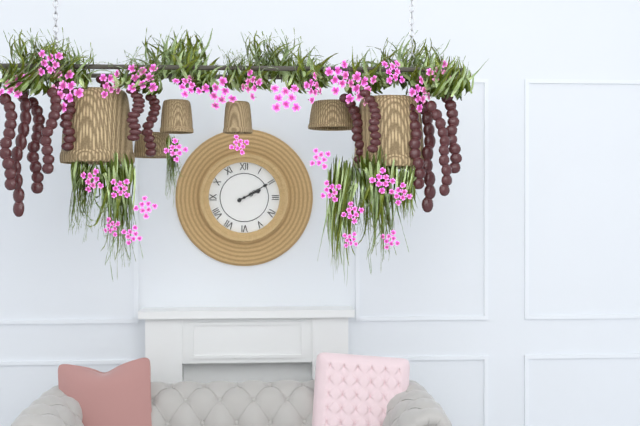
2:10
